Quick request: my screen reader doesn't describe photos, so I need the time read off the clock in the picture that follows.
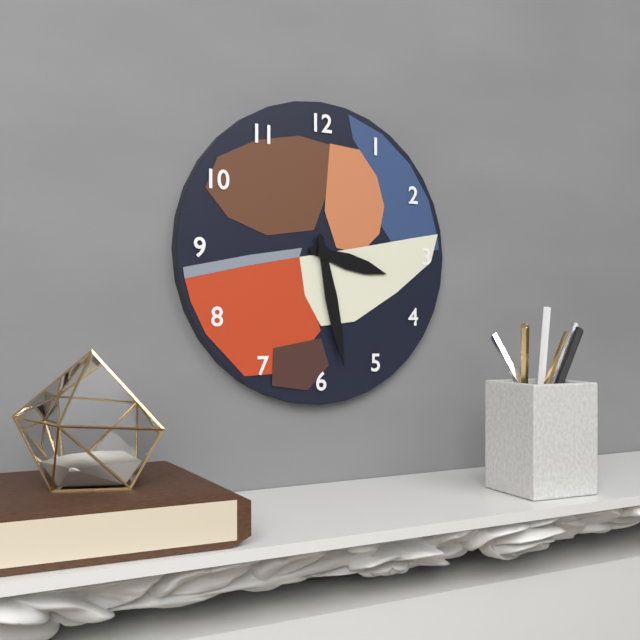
3:28
